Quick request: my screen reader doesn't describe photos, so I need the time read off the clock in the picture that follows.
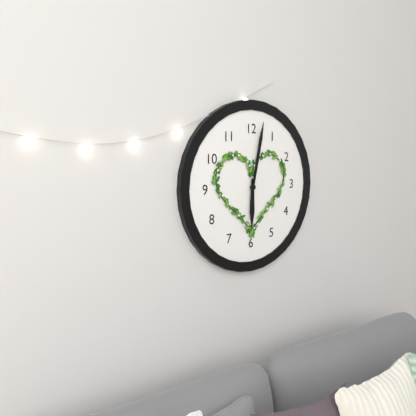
6:02
